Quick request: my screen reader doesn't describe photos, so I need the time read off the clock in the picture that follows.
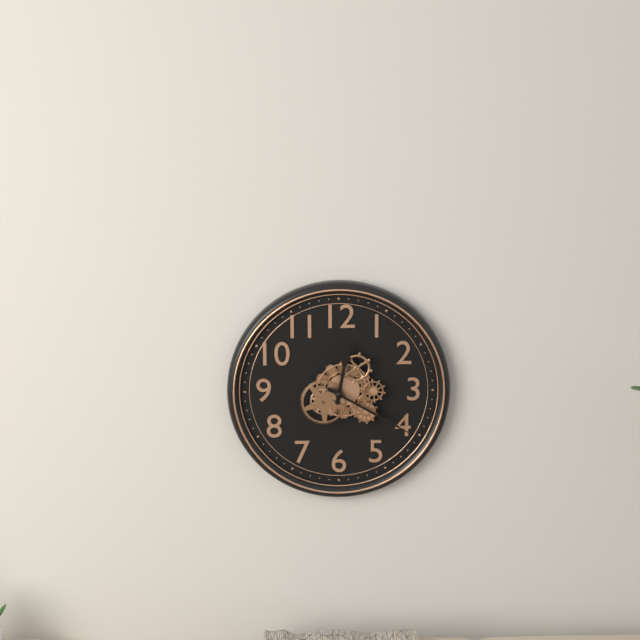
12:20
